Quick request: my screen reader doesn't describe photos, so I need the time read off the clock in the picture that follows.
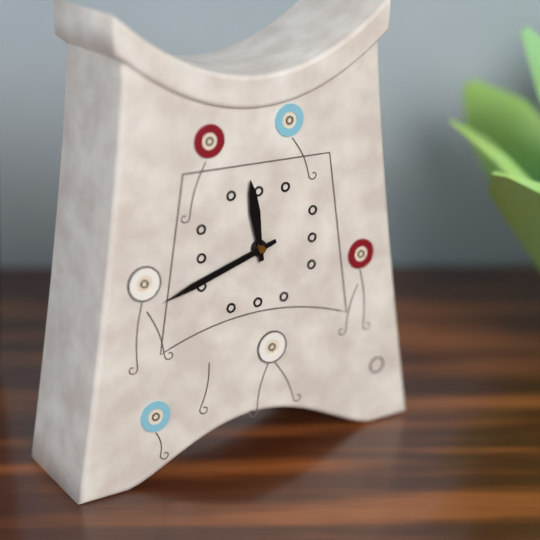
11:42
